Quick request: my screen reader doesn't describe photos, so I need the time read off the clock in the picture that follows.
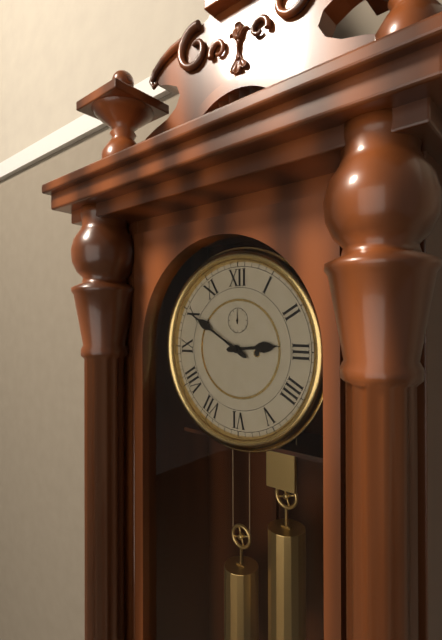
2:50
